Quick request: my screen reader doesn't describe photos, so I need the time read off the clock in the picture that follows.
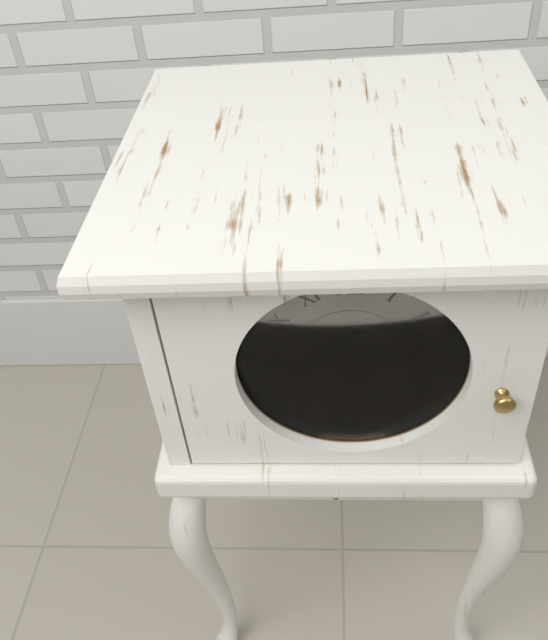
7:42:38
